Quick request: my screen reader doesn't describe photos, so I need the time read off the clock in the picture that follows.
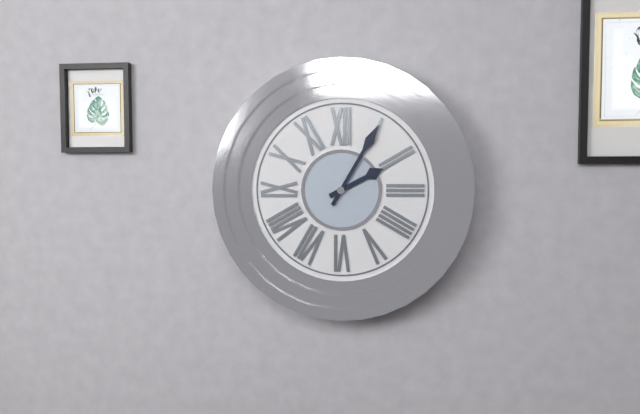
2:05
